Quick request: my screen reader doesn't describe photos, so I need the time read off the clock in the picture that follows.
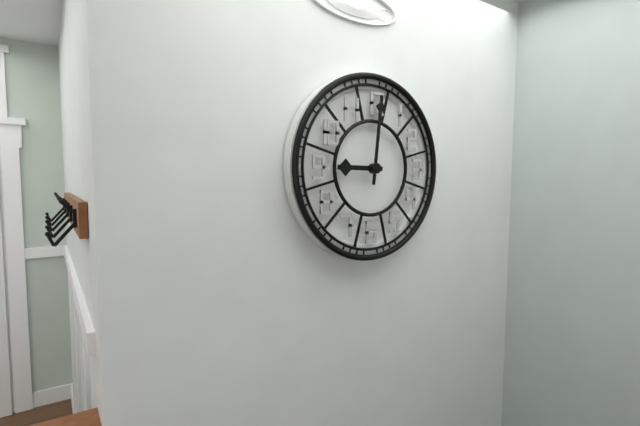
9:01
